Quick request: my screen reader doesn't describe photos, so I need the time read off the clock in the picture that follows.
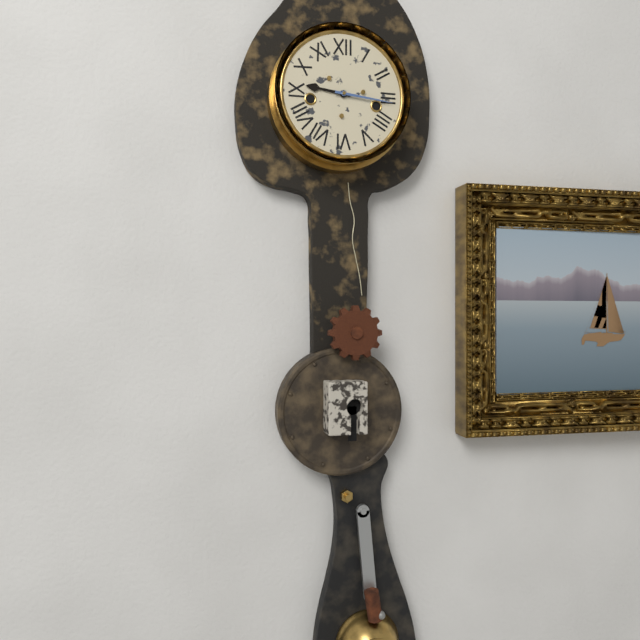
9:16
